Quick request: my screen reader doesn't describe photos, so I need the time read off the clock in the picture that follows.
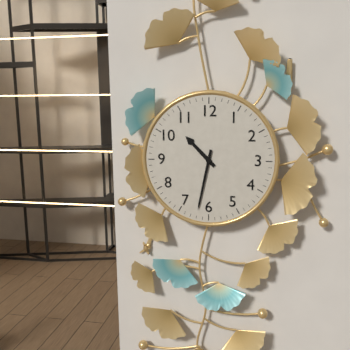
10:32
